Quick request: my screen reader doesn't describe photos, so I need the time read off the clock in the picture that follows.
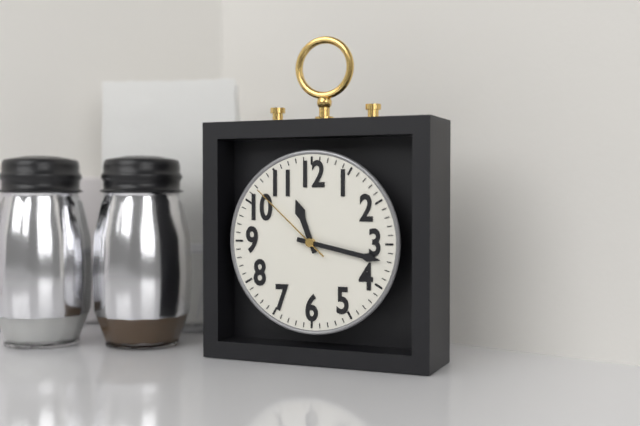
11:17:52
